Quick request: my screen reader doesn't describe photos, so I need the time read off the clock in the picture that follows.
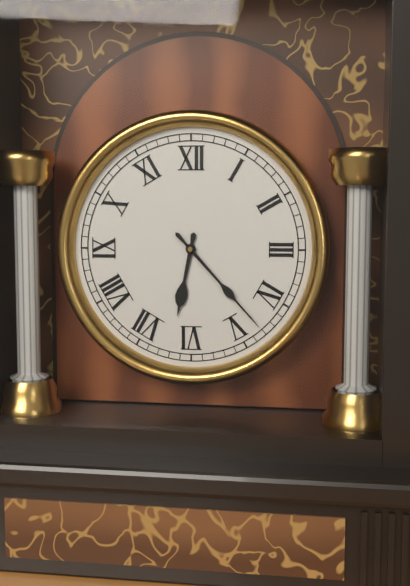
6:23
